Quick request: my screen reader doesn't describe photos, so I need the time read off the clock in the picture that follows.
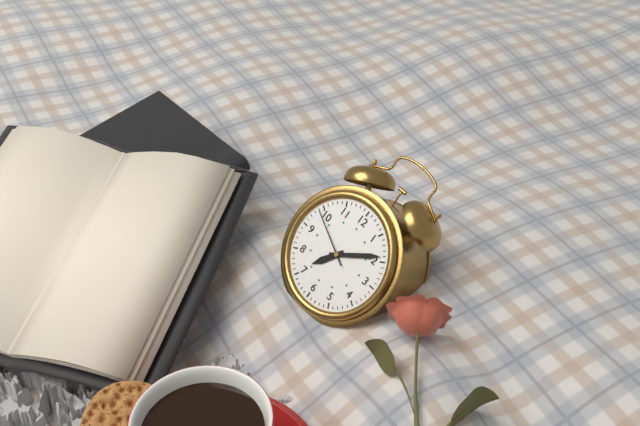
7:09:49
